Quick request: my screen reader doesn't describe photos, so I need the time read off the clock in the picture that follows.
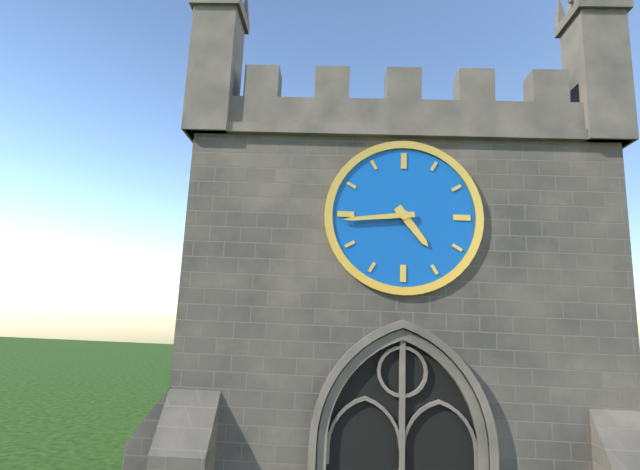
4:44
